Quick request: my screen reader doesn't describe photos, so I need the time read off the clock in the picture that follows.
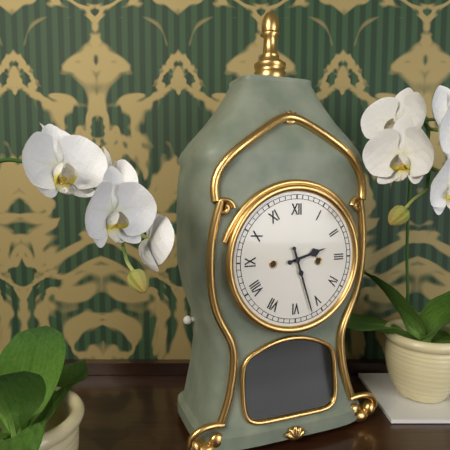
2:27
